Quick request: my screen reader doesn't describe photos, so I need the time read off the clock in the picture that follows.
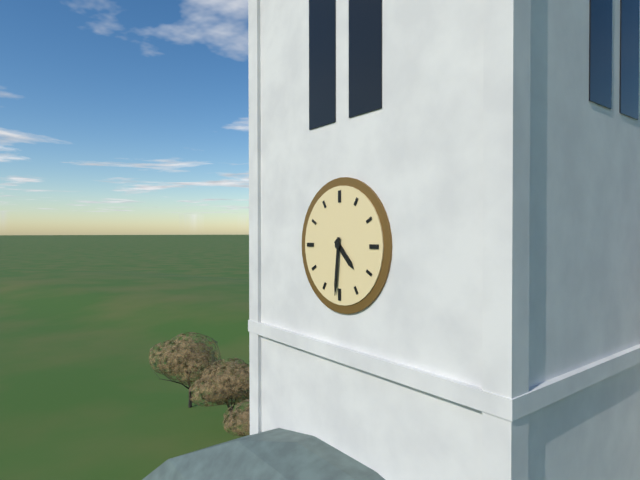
4:31
